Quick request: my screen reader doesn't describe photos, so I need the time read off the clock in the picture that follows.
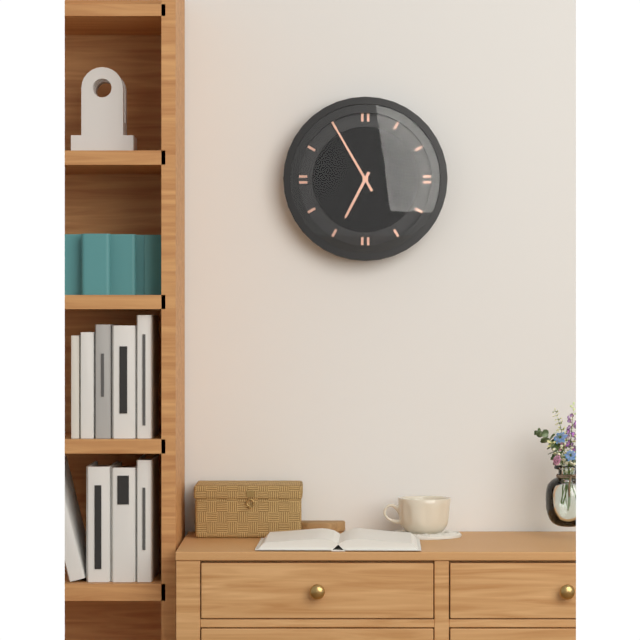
6:55
